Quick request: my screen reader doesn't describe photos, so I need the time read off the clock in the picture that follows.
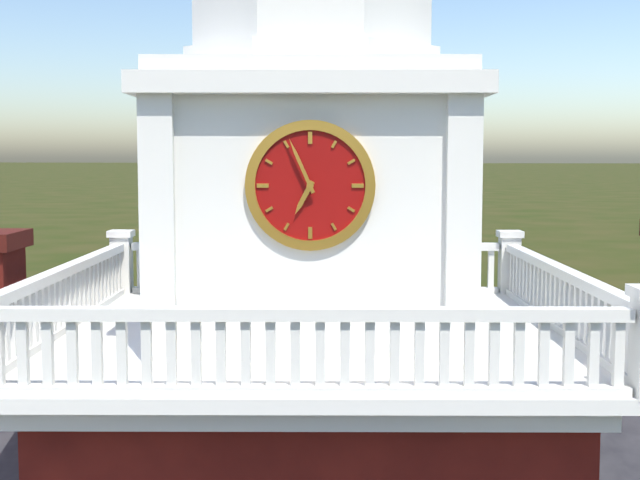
6:56
